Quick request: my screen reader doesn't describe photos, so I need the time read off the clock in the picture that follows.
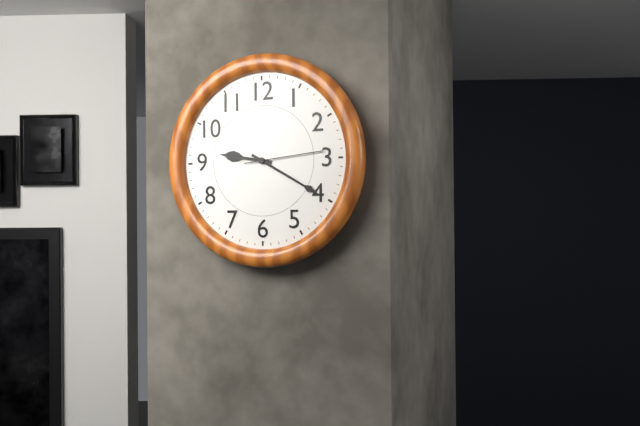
9:20:14
